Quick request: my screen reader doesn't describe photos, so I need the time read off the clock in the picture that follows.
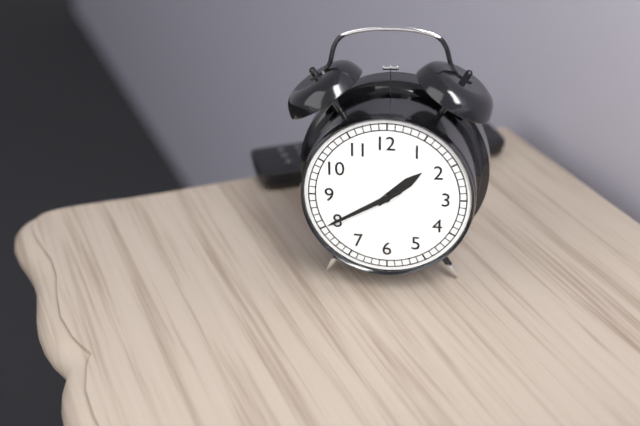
1:40
